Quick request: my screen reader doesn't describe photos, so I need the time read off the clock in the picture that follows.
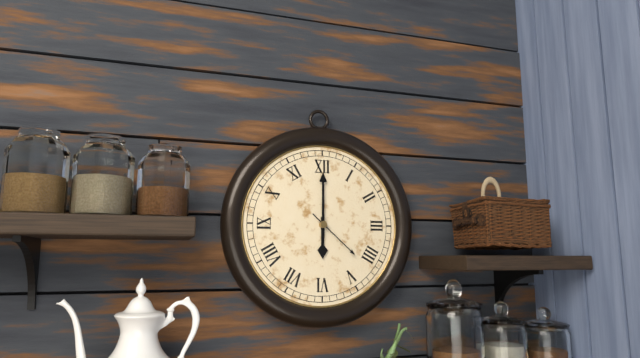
6:00:22
